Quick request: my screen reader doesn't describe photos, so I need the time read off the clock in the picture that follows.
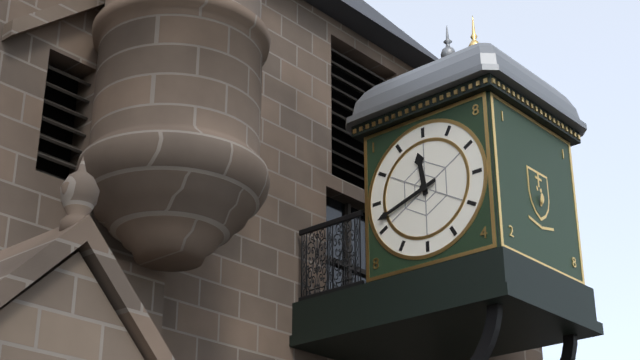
11:42
